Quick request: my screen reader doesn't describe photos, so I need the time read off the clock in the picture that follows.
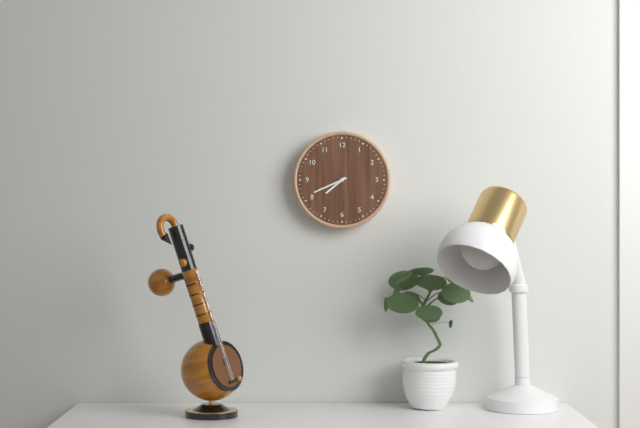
7:41
